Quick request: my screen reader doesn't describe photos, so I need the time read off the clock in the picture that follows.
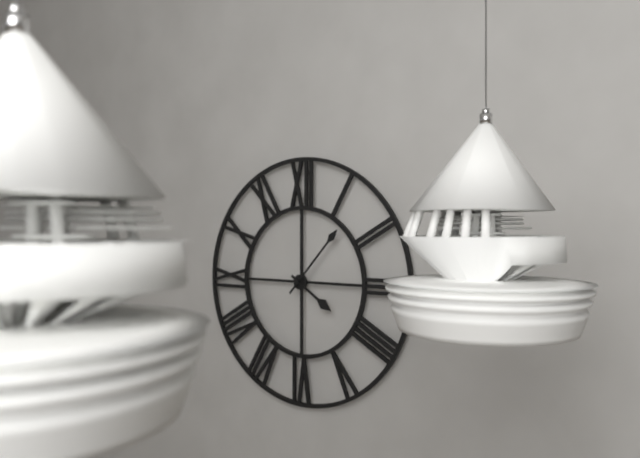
4:07
